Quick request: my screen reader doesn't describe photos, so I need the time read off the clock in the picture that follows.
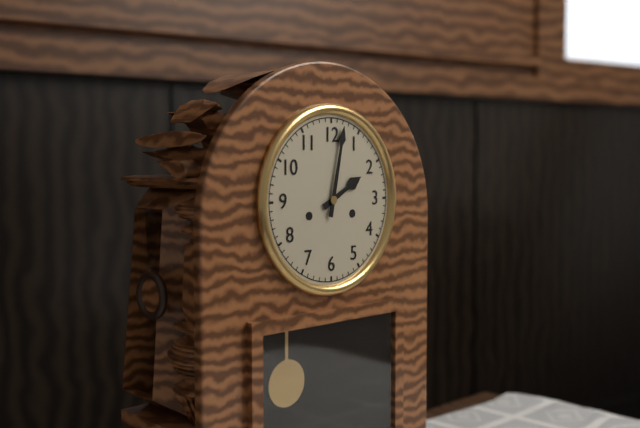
2:02
